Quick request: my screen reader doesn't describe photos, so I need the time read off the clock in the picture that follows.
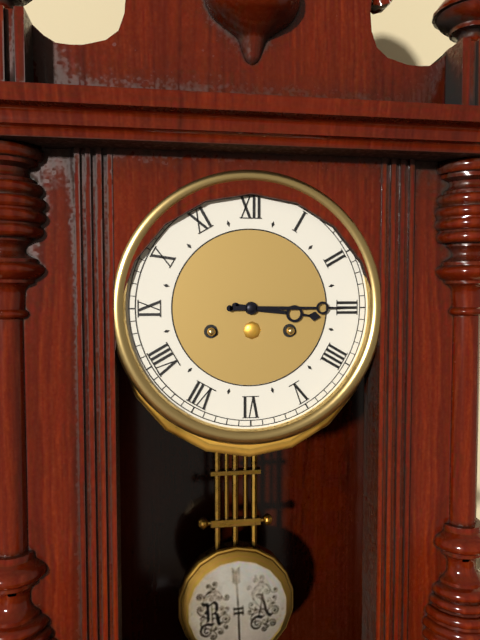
3:15
